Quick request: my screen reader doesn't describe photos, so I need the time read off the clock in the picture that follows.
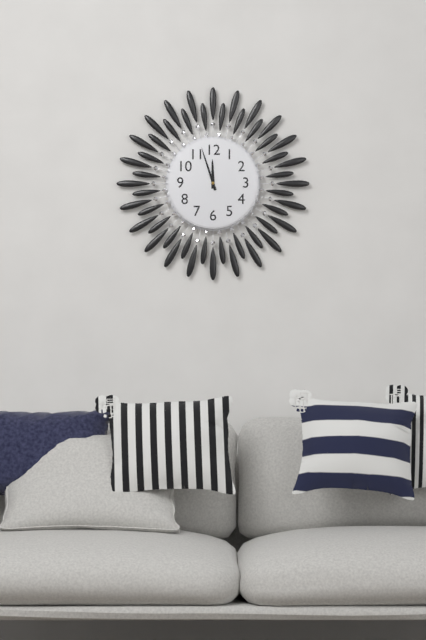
11:57
